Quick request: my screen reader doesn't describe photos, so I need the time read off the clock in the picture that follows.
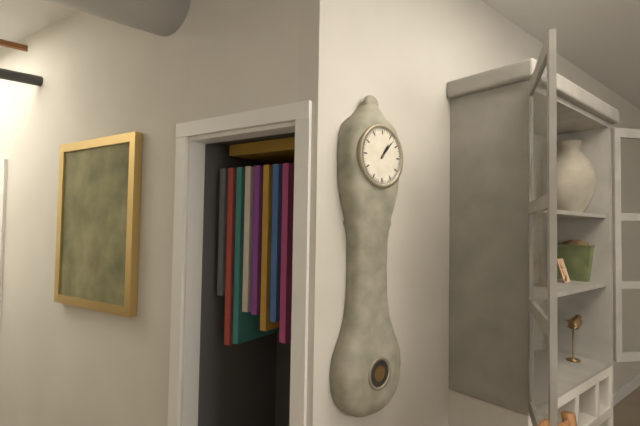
1:07
